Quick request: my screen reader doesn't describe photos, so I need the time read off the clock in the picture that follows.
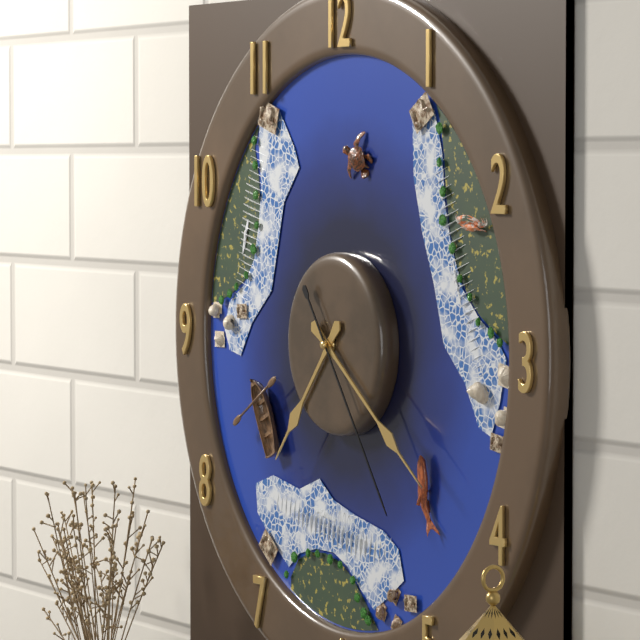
7:21:24
